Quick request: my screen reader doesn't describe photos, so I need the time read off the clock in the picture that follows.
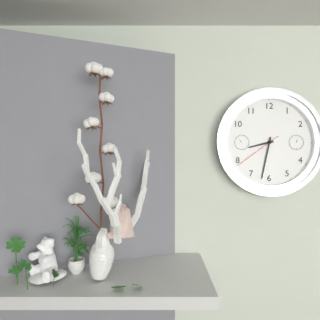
8:32:39
